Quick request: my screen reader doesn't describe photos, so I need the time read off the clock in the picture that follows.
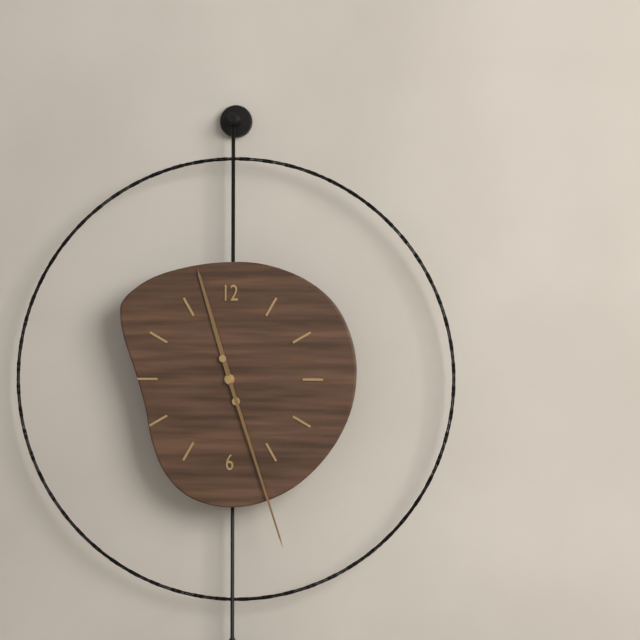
11:27
